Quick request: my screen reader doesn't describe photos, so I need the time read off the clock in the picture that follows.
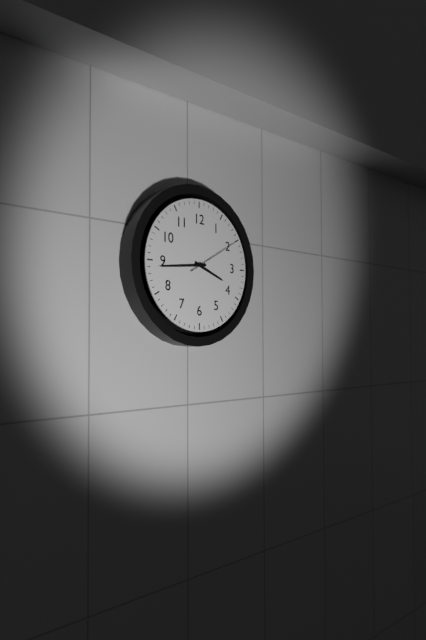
3:44:10
